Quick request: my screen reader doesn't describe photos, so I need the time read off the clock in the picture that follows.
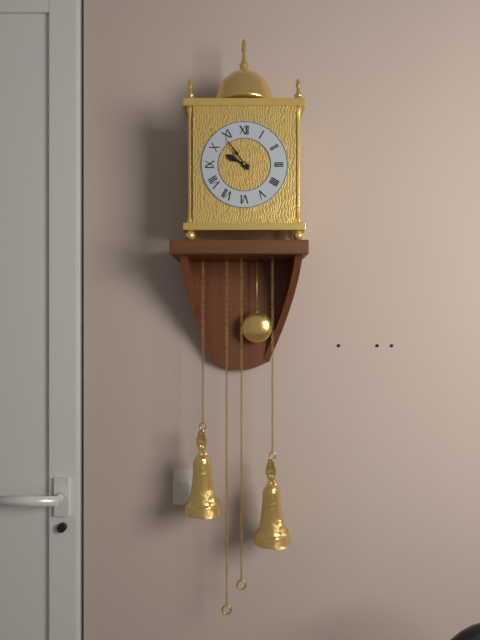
9:54
